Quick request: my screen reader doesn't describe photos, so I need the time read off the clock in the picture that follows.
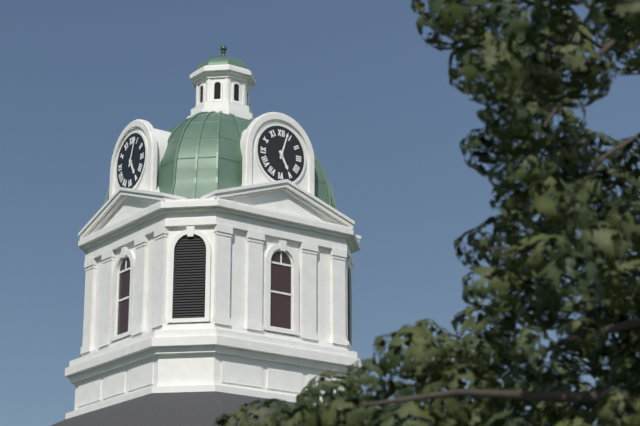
5:03
